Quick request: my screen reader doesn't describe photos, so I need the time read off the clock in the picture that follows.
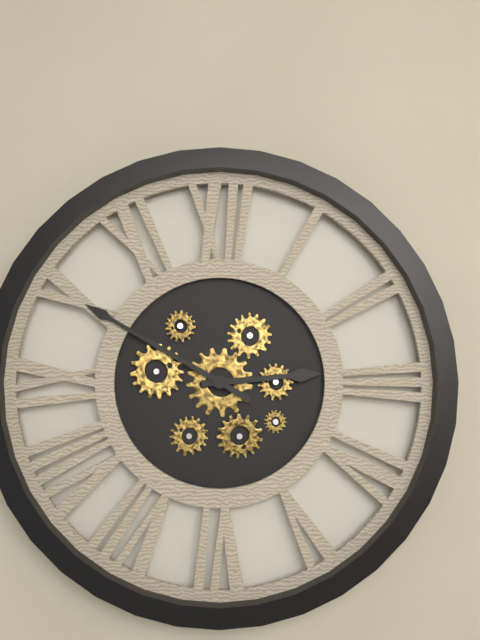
2:50
